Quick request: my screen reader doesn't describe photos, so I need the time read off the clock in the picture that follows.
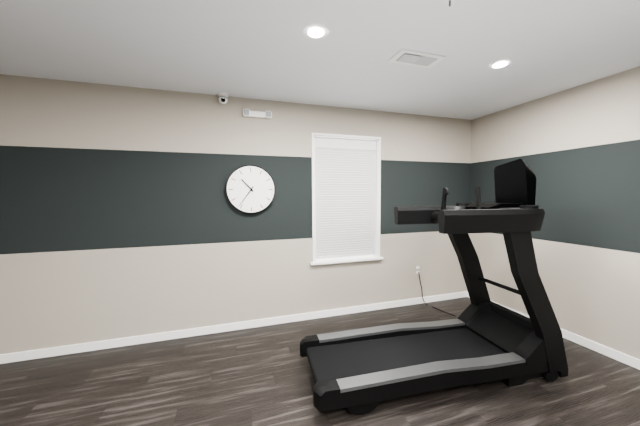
10:36
